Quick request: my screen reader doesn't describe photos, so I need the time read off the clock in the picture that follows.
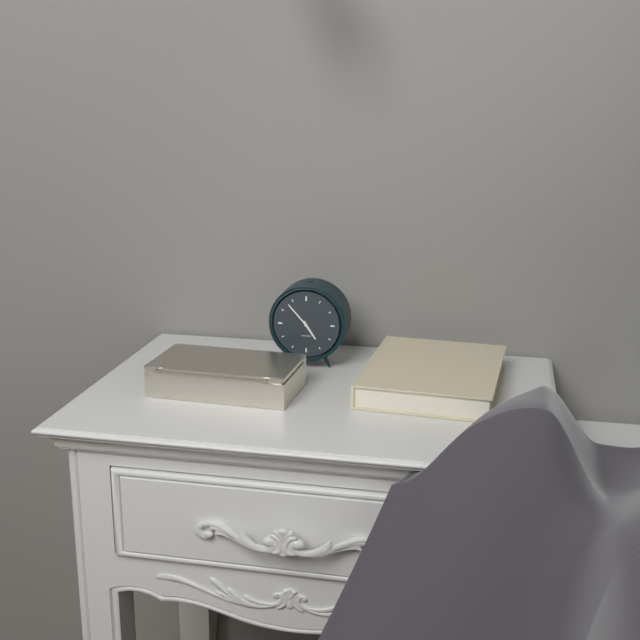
4:53
